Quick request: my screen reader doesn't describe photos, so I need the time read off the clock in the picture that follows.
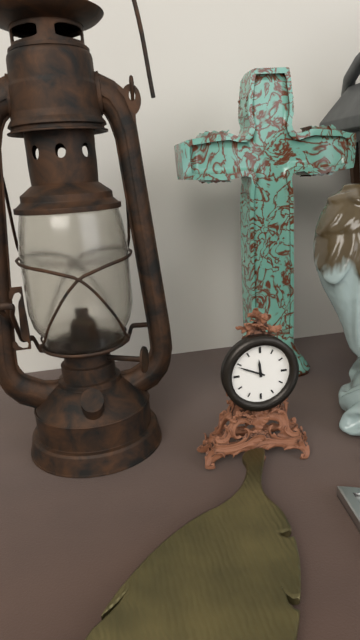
11:49
